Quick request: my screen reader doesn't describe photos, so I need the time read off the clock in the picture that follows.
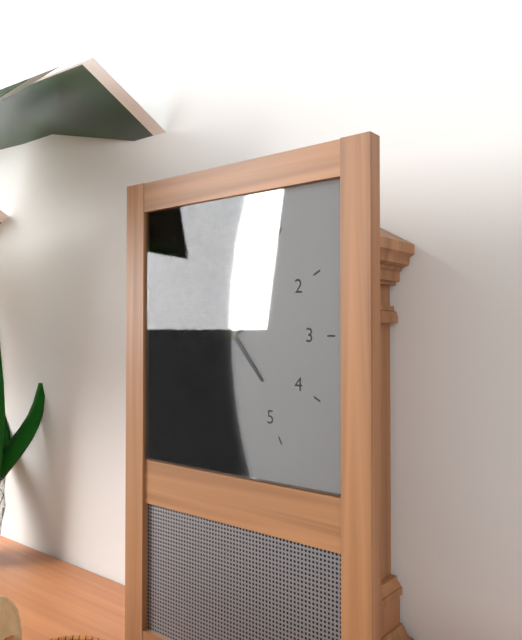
4:40
